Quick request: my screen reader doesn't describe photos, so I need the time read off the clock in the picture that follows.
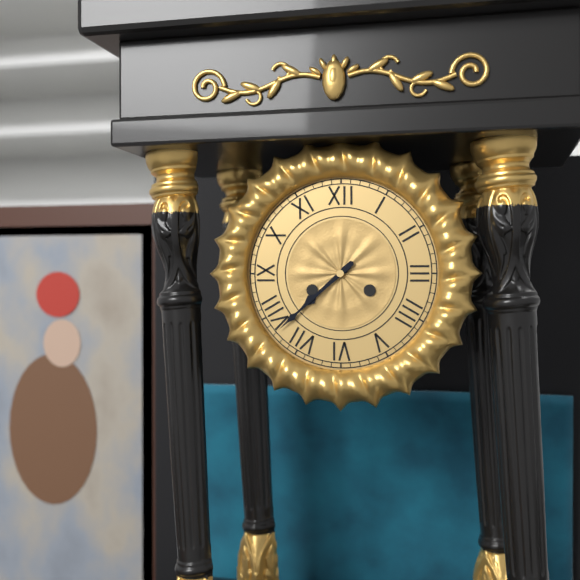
7:38
